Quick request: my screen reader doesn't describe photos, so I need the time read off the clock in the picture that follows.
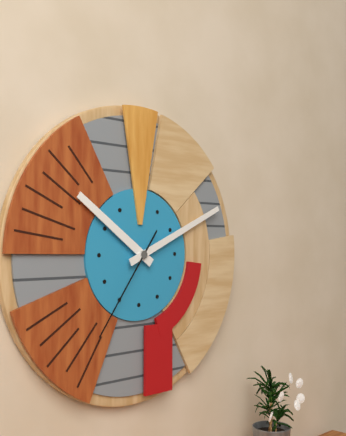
10:11:36
